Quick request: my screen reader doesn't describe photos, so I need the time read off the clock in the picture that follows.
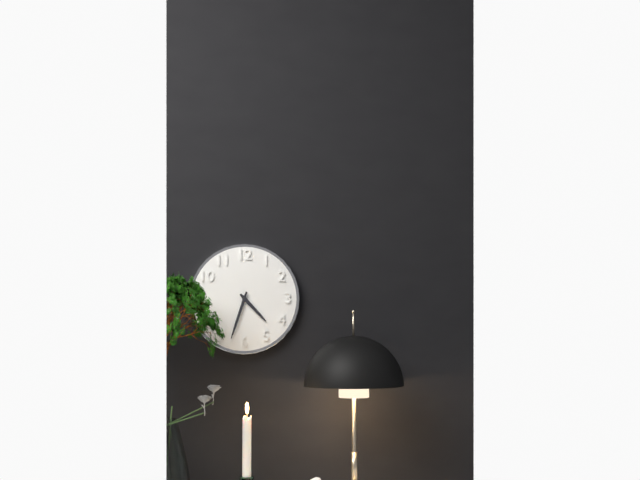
4:33
